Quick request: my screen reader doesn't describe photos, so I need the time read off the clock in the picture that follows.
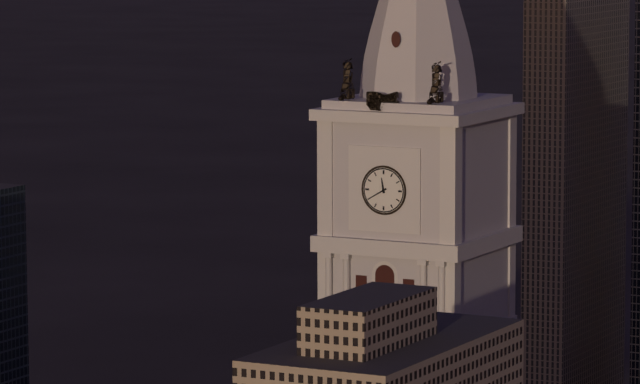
11:40
